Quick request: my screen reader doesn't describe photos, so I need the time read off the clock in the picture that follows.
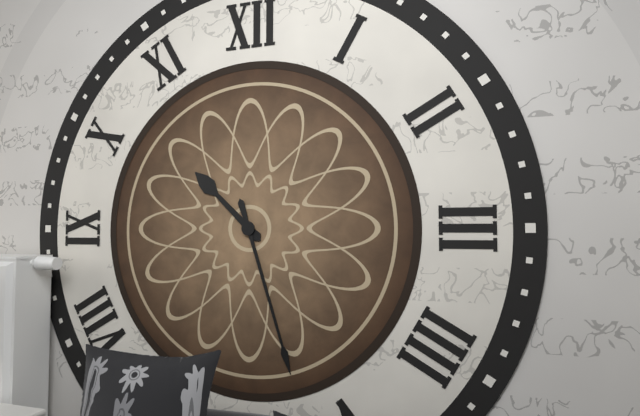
10:27
